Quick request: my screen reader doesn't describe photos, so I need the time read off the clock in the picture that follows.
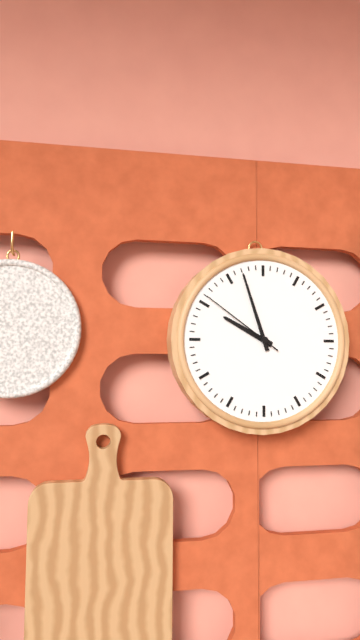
9:57:51
